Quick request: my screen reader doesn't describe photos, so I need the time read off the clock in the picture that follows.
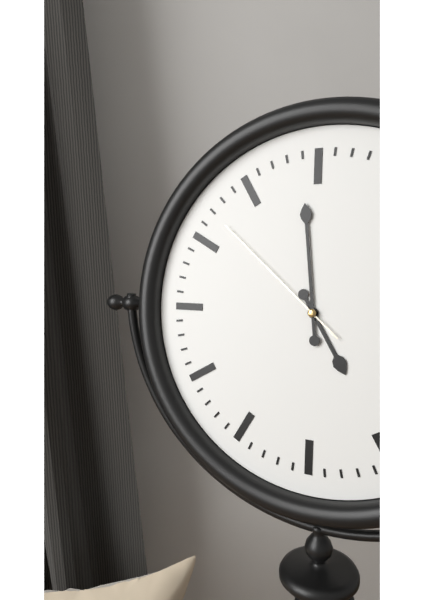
4:59:52
